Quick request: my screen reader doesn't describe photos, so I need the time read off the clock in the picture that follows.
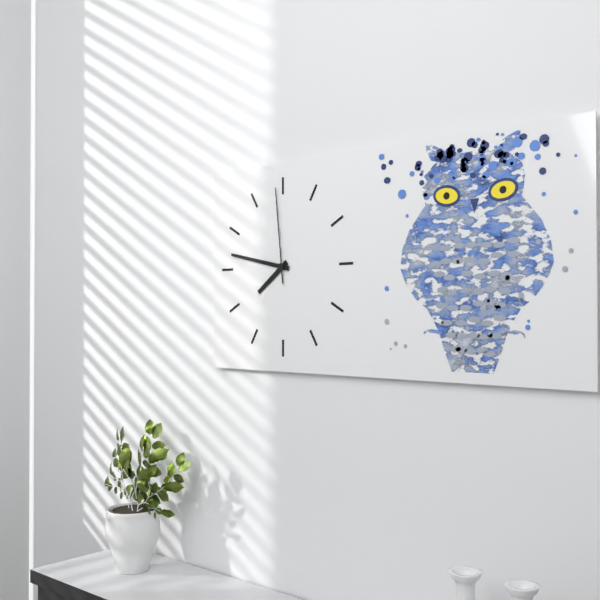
7:47:59
